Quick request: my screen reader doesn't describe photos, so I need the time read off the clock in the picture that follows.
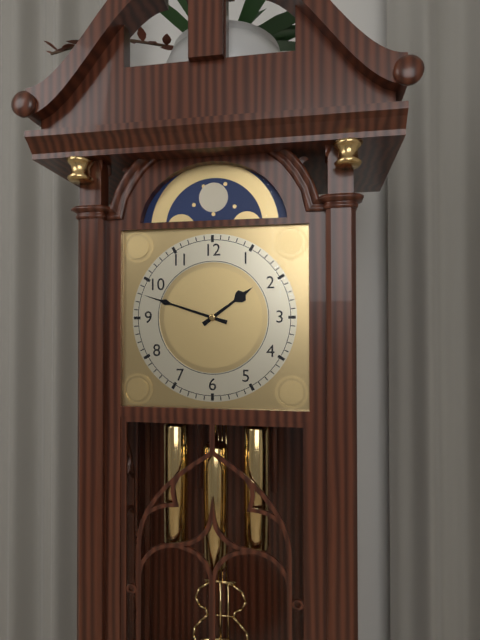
1:48
